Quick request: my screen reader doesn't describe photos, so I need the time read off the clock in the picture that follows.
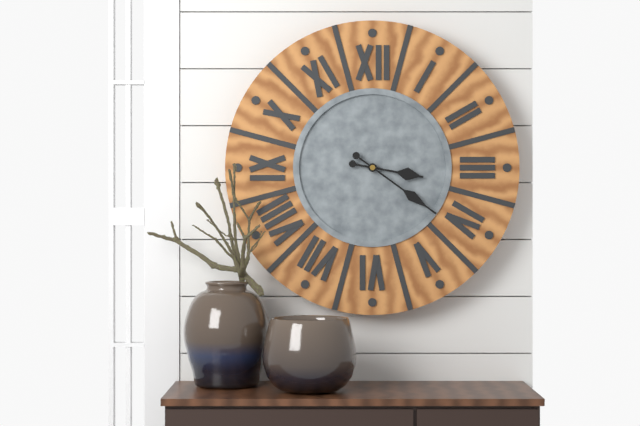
3:21
